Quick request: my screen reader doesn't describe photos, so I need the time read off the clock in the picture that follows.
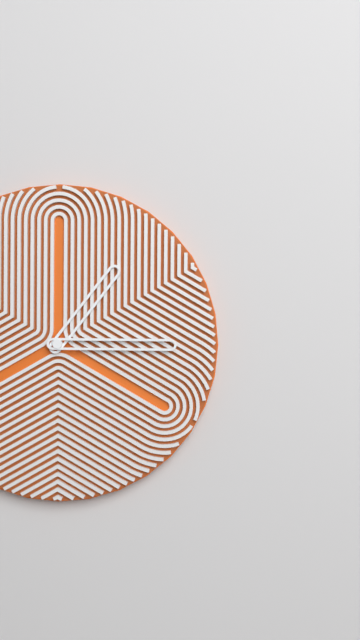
1:15
